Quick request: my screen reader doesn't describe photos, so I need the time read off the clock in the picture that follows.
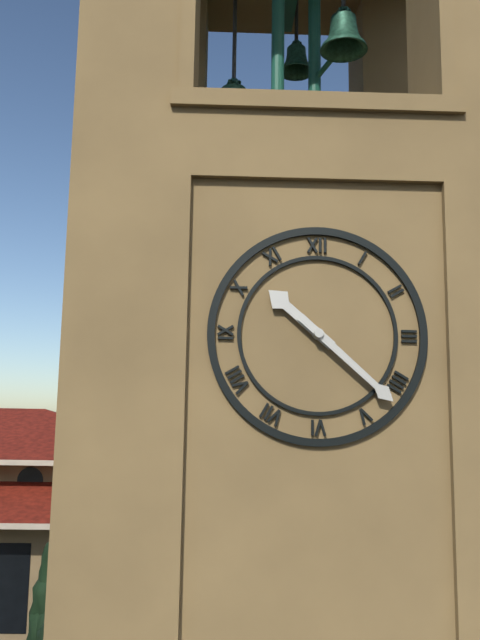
10:22
